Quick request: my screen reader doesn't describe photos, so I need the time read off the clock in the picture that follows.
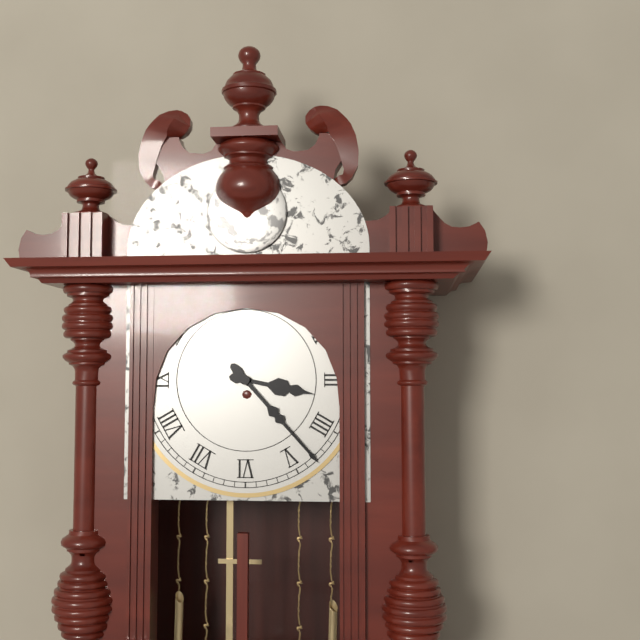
3:23
